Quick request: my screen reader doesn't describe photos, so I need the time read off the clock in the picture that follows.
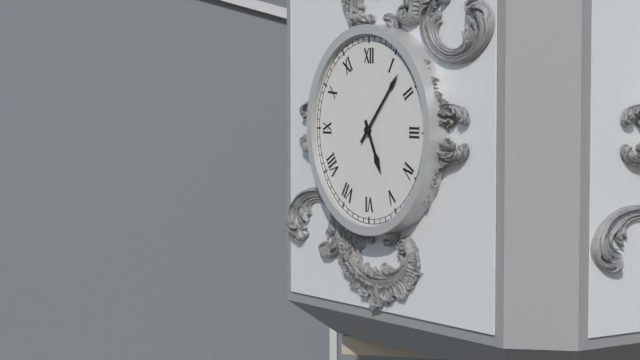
5:07
